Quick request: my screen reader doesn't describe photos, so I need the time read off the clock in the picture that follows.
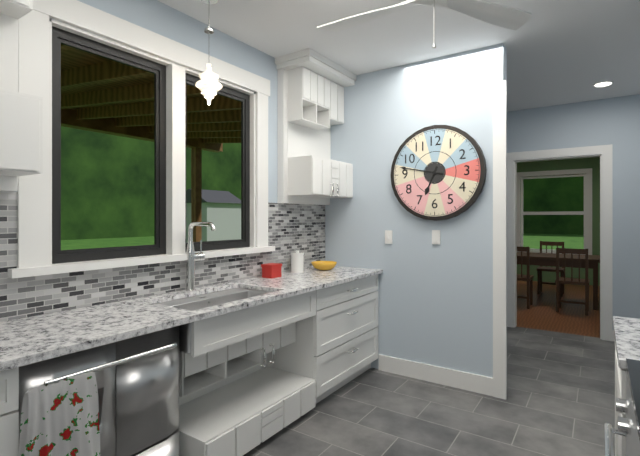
6:47
